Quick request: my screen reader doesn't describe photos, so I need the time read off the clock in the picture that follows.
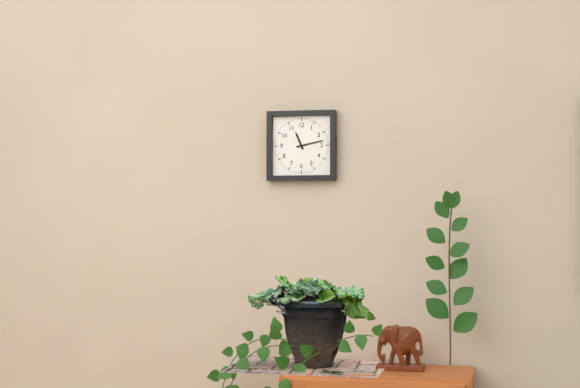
11:13
